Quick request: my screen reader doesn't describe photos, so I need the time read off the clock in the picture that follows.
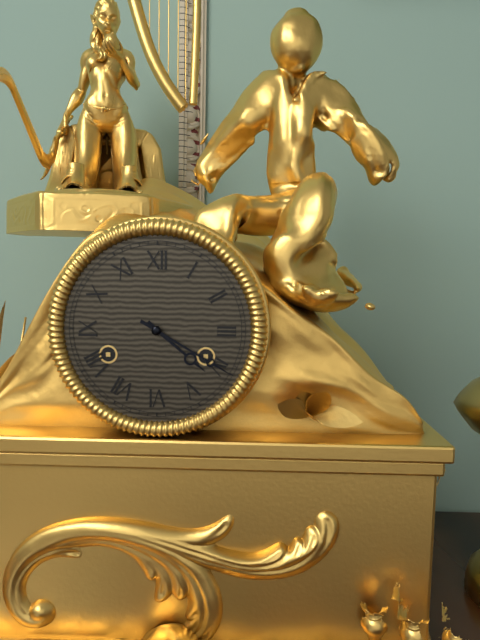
4:20
